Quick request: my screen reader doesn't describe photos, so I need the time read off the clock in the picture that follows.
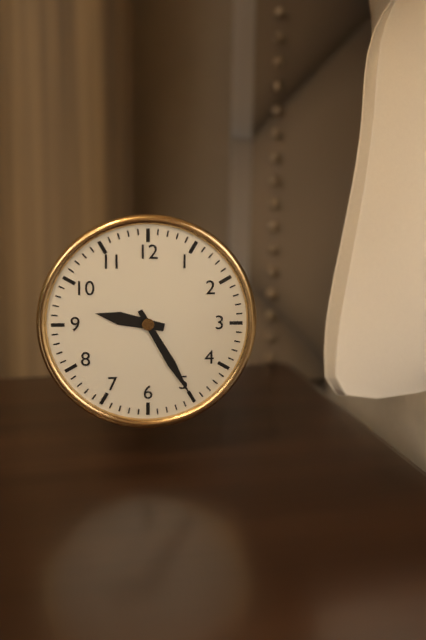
9:25
